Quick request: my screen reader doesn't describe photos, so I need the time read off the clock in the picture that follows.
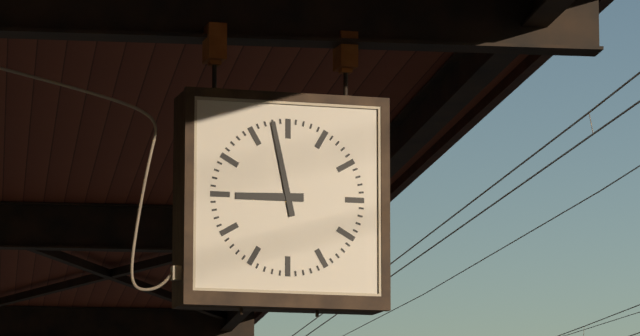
8:58
